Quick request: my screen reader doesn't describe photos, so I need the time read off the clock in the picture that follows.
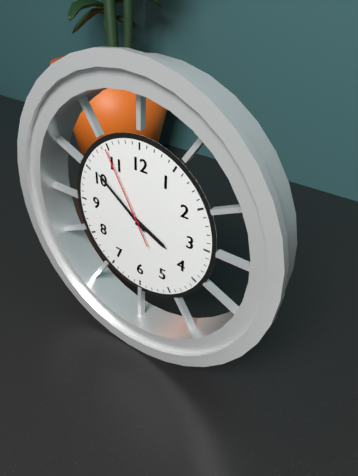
3:51:55
